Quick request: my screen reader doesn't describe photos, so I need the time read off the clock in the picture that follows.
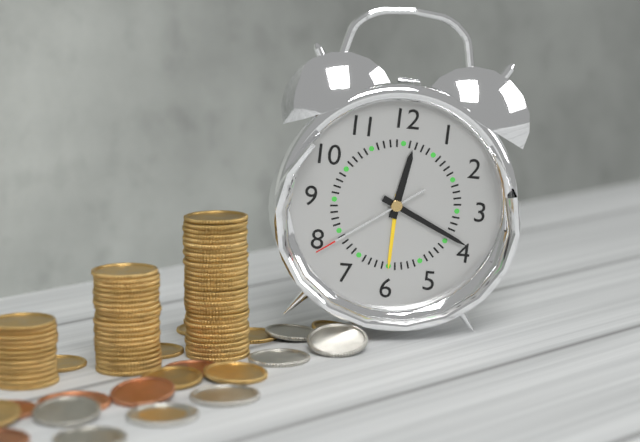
12:19:39
